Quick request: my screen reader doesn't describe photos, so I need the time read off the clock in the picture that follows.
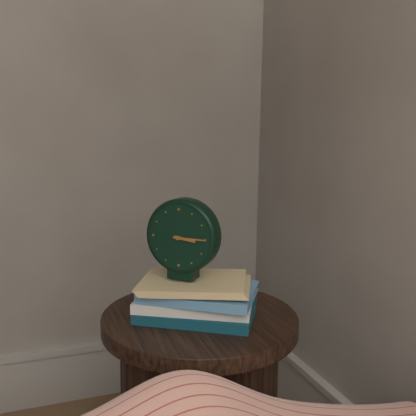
3:15
